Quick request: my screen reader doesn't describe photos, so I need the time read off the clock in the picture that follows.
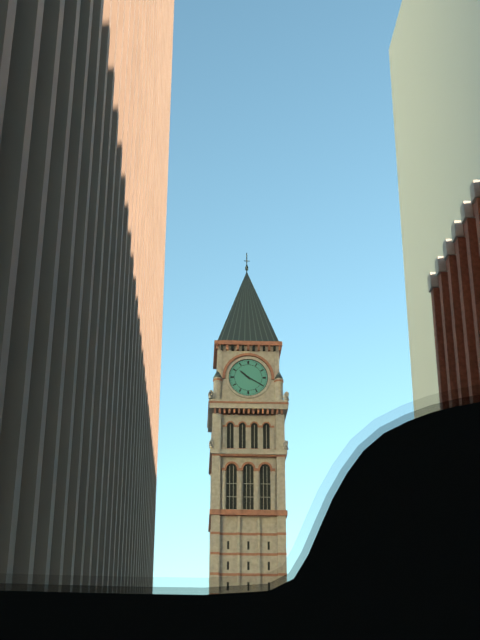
10:20
